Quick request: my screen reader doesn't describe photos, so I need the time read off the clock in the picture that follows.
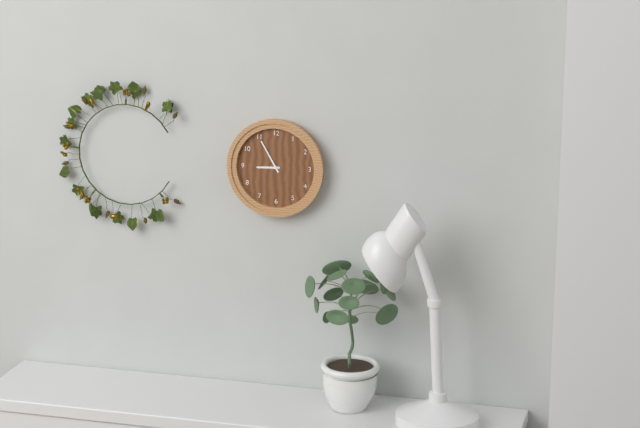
8:55
